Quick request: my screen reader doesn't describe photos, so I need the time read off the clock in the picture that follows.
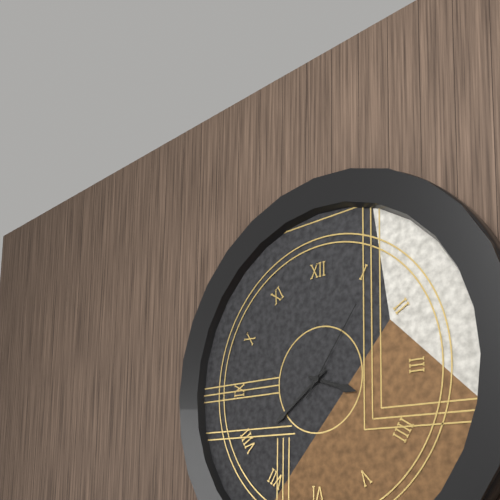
3:39:06
